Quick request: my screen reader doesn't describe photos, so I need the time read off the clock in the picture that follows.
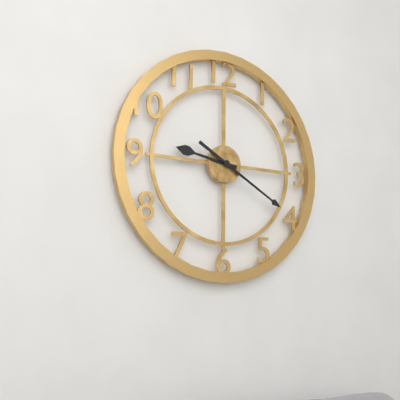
9:20
